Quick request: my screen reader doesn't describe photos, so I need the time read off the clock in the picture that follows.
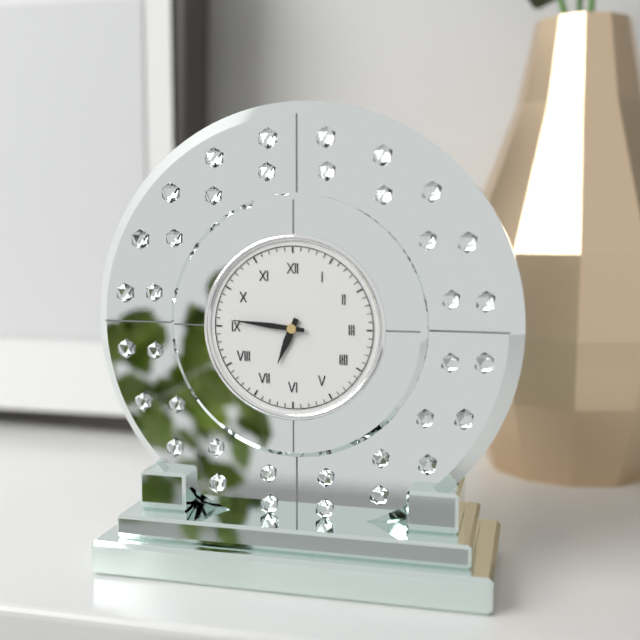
6:46
